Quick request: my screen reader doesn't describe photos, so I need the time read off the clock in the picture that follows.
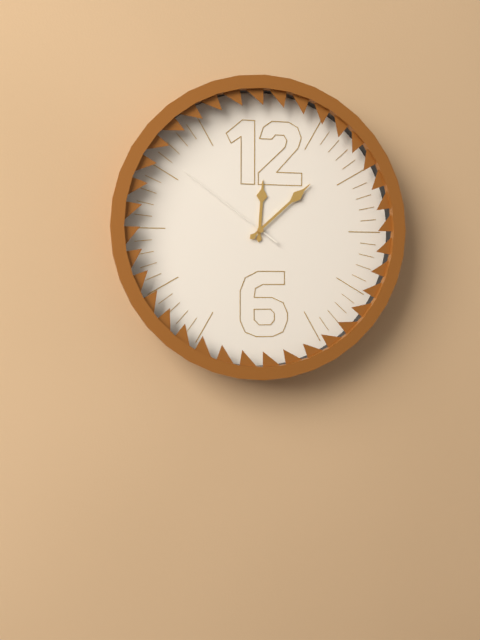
12:08:51
